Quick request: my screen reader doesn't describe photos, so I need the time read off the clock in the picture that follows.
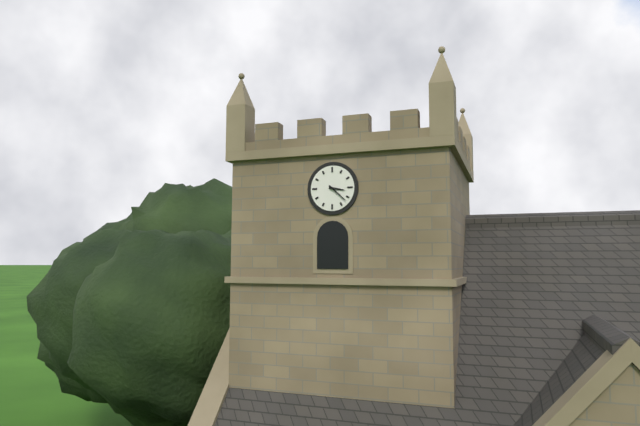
3:22
